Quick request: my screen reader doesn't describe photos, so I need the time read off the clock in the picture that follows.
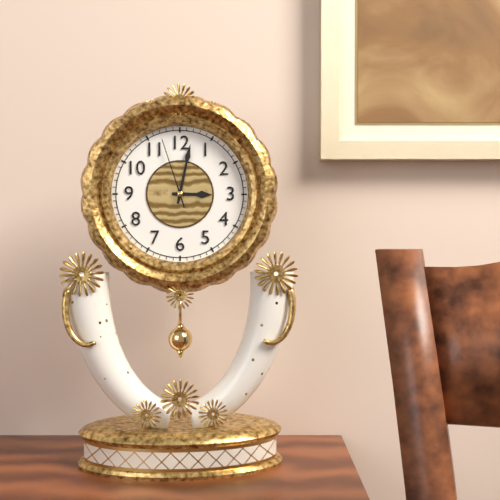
3:02:57
